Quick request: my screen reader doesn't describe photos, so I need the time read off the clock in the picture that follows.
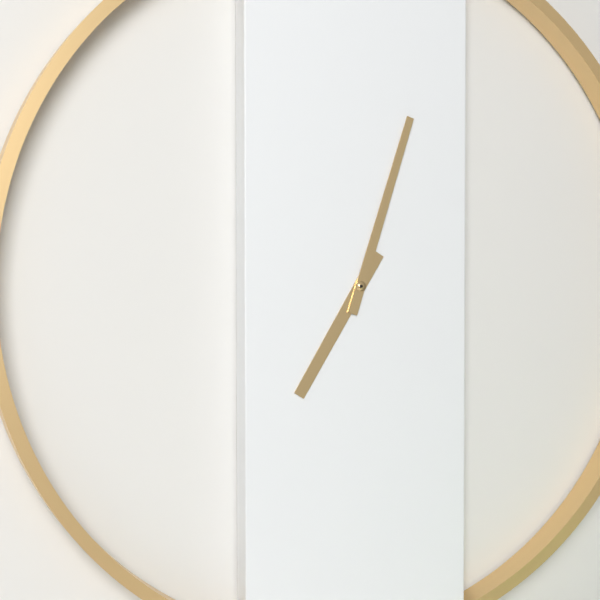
7:03
